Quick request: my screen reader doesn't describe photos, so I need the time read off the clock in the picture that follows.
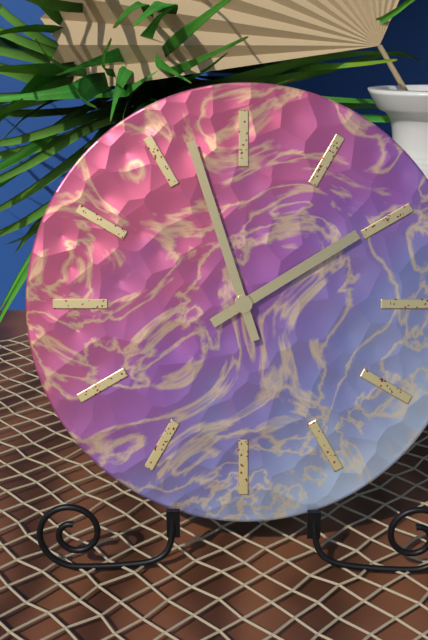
1:57
